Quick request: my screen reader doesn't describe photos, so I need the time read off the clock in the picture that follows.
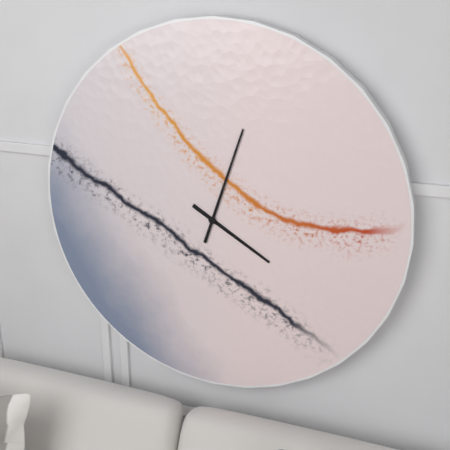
4:03
